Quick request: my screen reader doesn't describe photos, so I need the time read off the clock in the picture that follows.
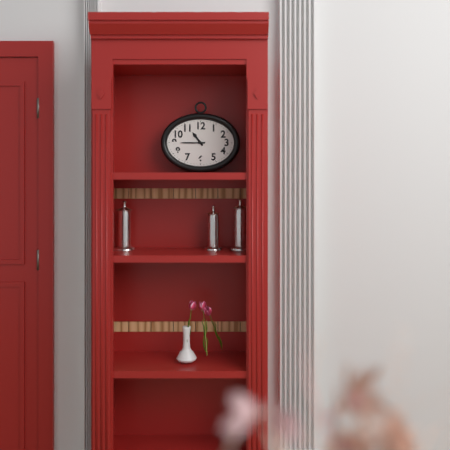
10:45
